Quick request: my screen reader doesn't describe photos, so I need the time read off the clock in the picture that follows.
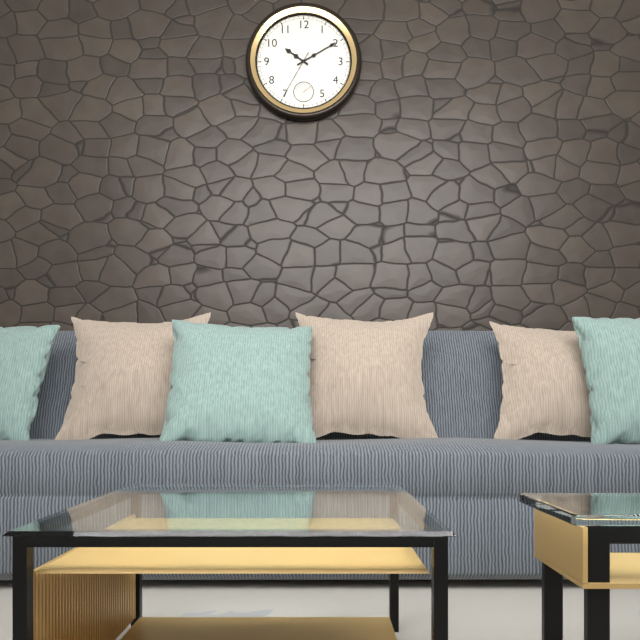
10:10:35
